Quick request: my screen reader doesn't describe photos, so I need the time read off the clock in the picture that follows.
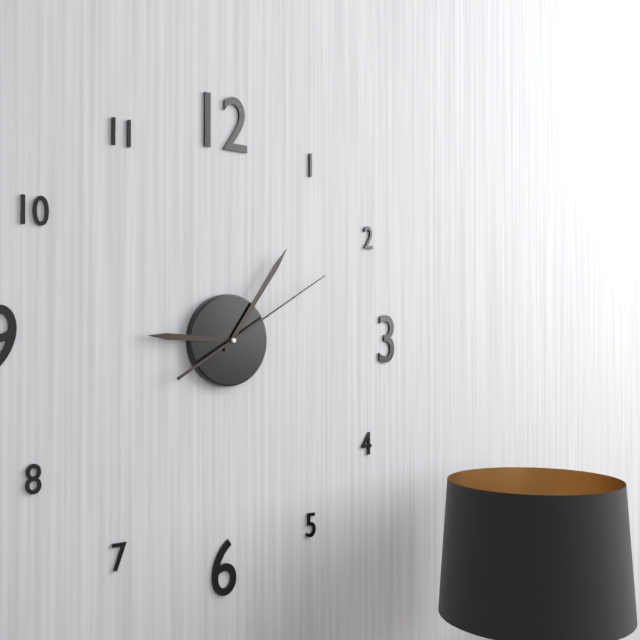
9:06:10
